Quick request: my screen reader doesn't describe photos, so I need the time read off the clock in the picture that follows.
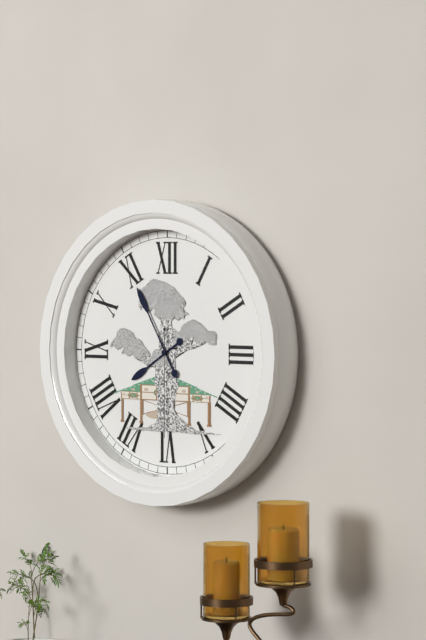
7:55:30
